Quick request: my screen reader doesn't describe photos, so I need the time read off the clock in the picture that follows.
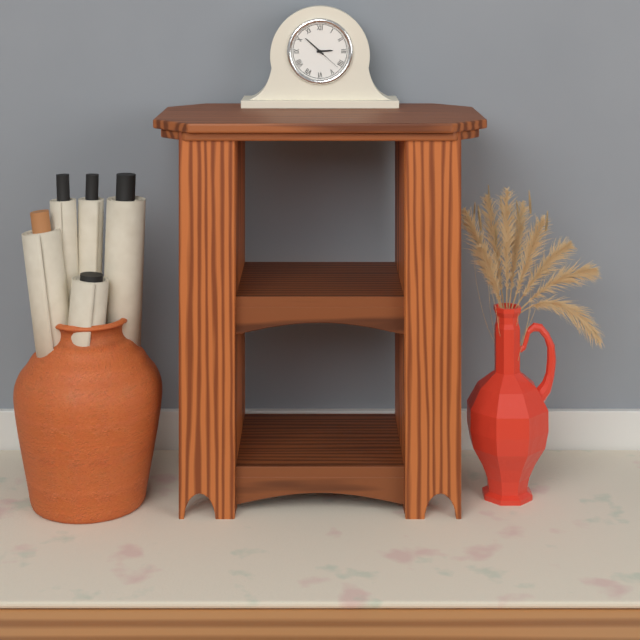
2:52
